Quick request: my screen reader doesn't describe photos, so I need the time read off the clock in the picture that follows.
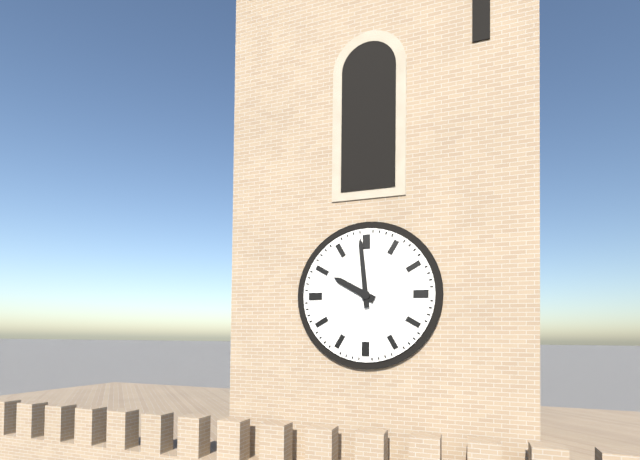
9:59
